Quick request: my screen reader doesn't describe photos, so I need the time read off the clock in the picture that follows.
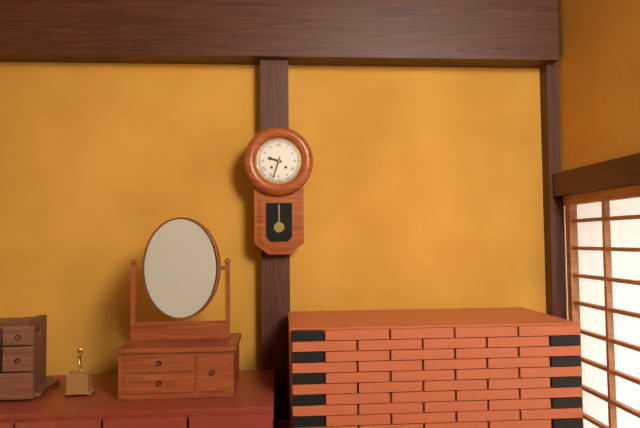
9:33
